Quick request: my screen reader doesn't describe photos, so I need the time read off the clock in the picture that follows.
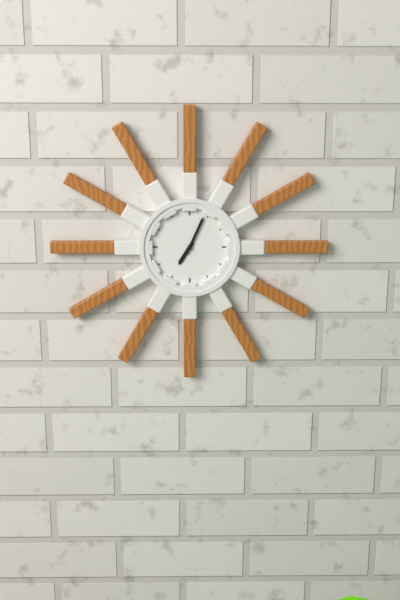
7:04
